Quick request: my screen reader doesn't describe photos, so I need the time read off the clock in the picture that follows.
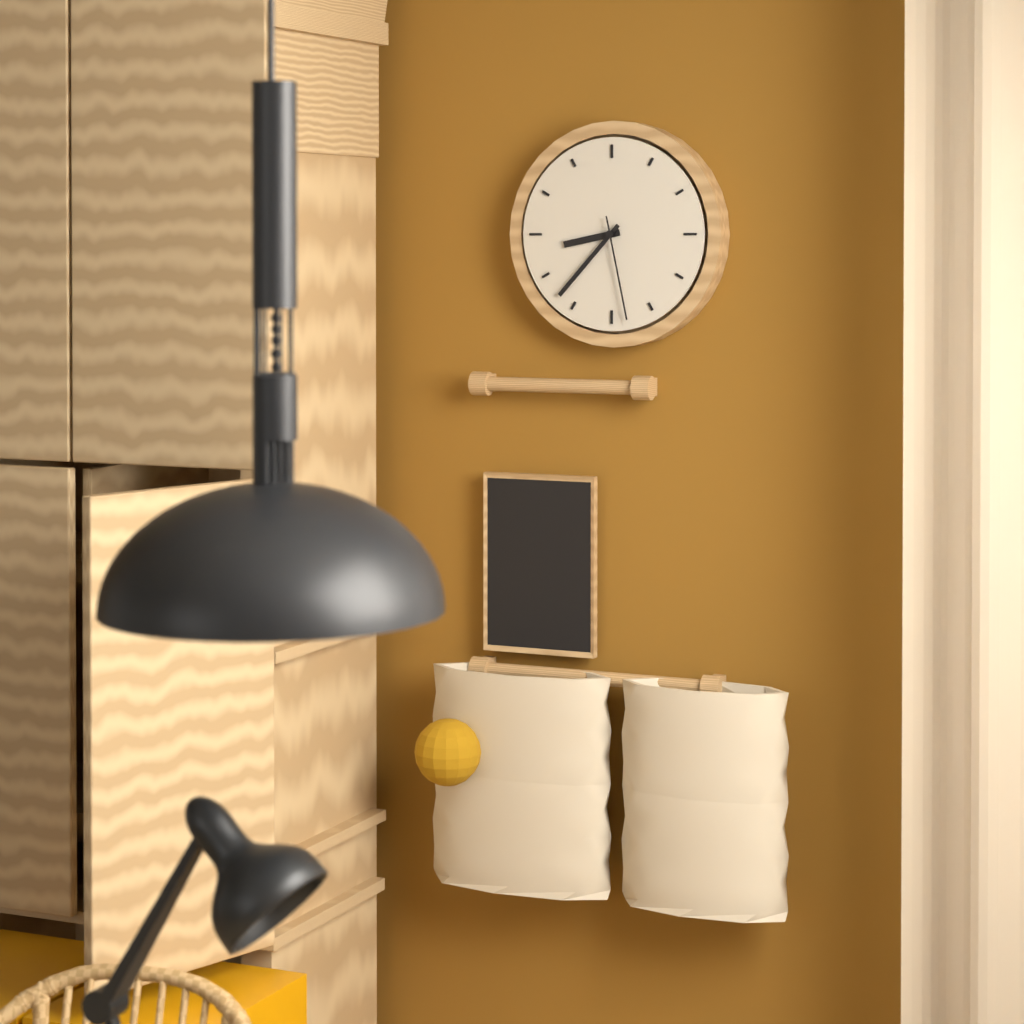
8:37:28
